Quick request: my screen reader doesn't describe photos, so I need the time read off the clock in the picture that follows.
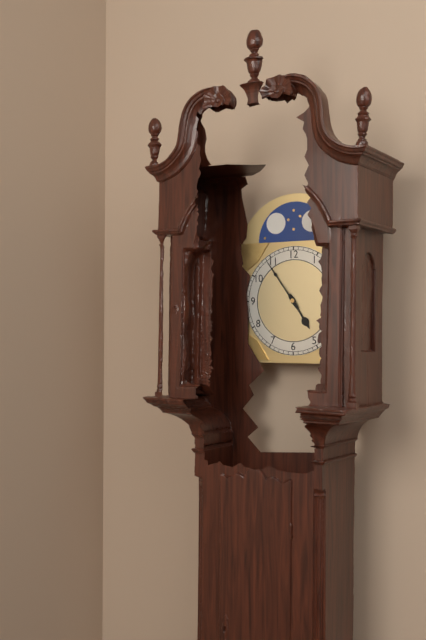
4:54
